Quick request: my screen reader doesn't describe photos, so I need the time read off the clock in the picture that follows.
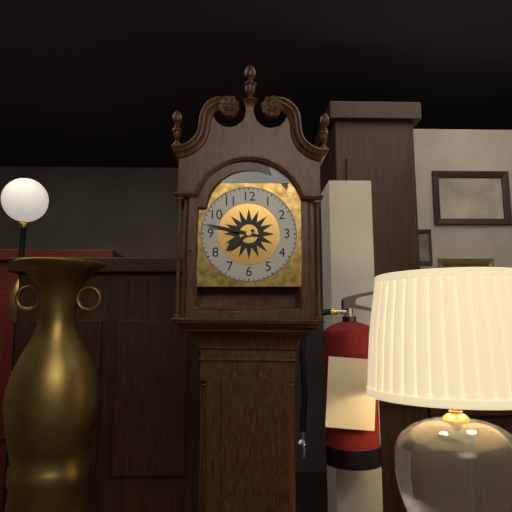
7:47
